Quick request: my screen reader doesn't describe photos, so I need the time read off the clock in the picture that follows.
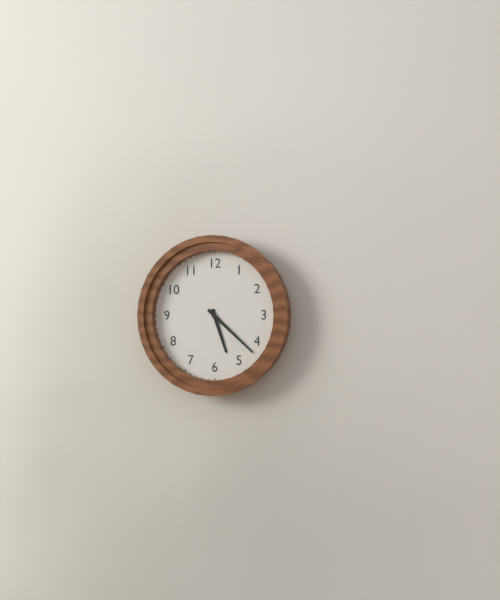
5:22
